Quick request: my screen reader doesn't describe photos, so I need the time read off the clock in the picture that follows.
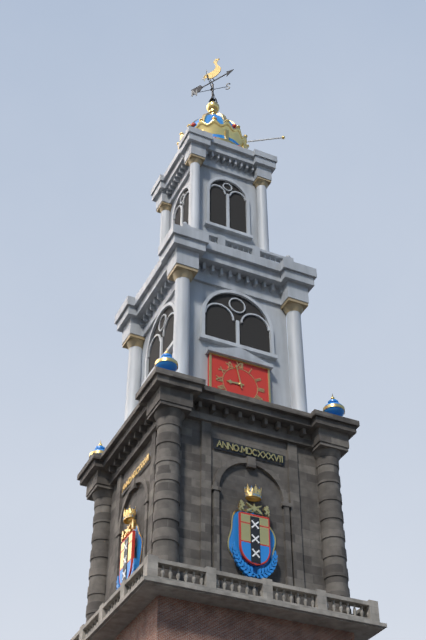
8:58
